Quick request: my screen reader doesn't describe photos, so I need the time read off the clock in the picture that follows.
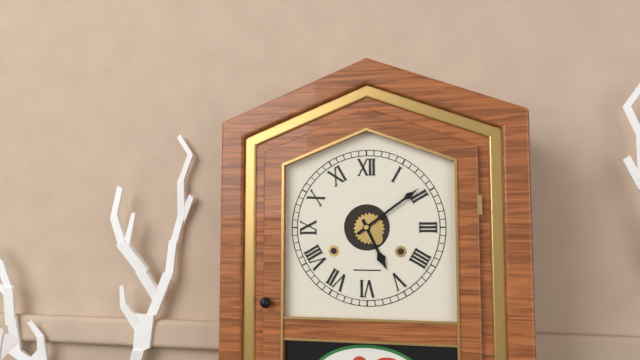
5:09
